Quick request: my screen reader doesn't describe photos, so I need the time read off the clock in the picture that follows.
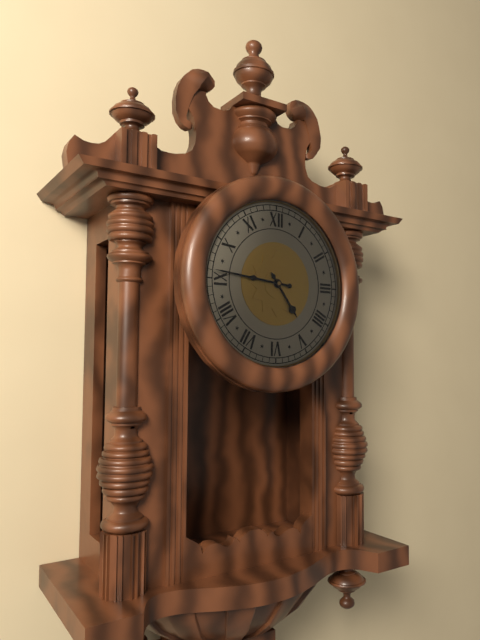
4:46
